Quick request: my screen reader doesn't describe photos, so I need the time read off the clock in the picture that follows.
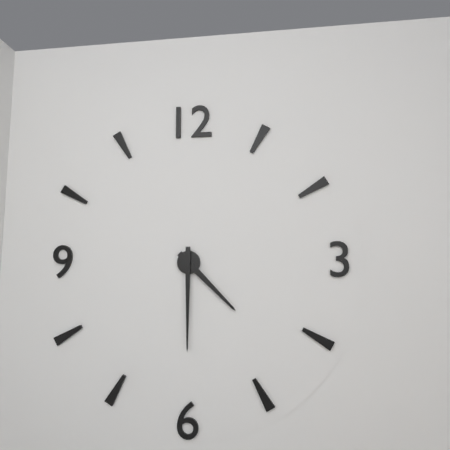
4:30
